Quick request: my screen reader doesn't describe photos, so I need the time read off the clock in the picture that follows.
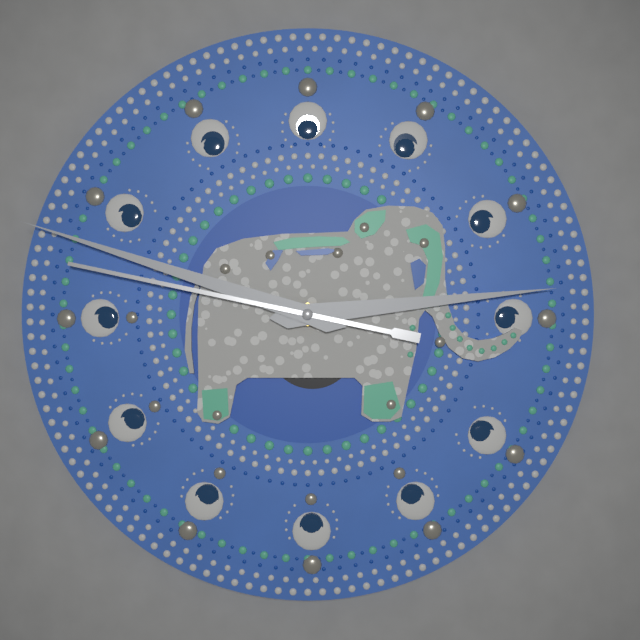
2:48:47
